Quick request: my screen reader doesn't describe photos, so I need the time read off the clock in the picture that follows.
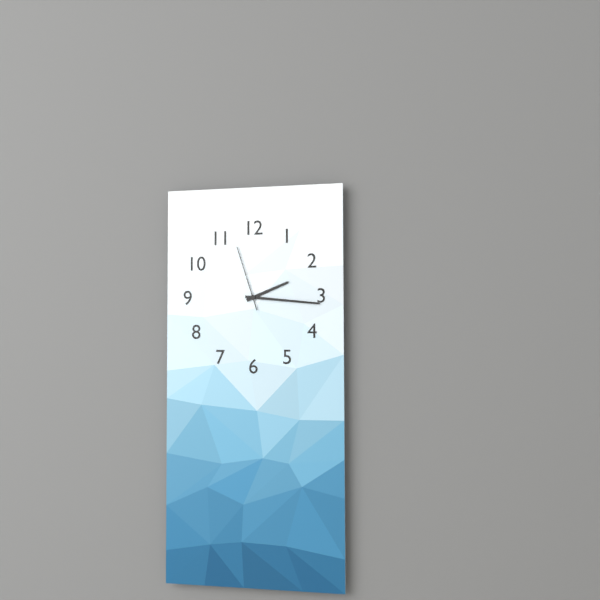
2:16:57
